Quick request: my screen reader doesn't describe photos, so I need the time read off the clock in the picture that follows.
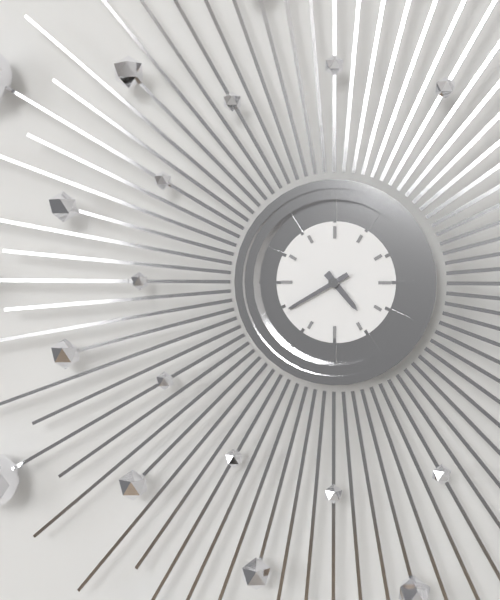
4:40
